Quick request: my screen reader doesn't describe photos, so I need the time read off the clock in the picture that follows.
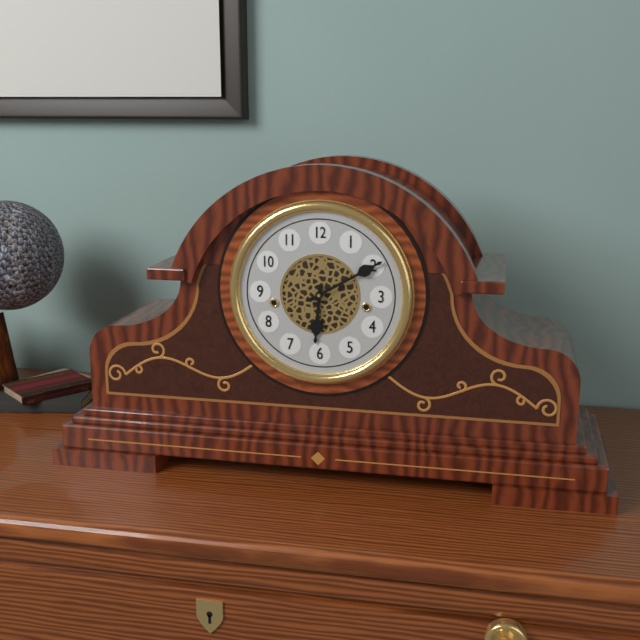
6:10
